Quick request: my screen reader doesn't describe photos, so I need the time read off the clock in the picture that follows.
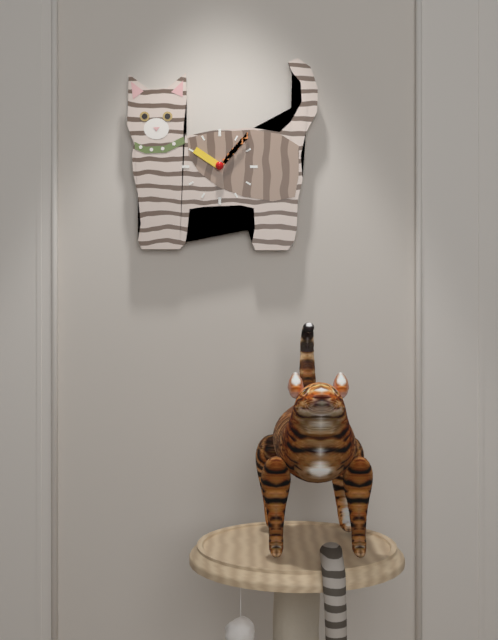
10:07
